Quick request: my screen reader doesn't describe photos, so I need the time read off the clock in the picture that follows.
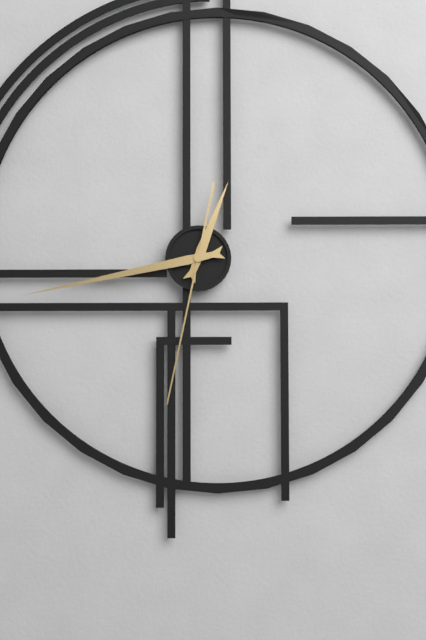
12:43:32
